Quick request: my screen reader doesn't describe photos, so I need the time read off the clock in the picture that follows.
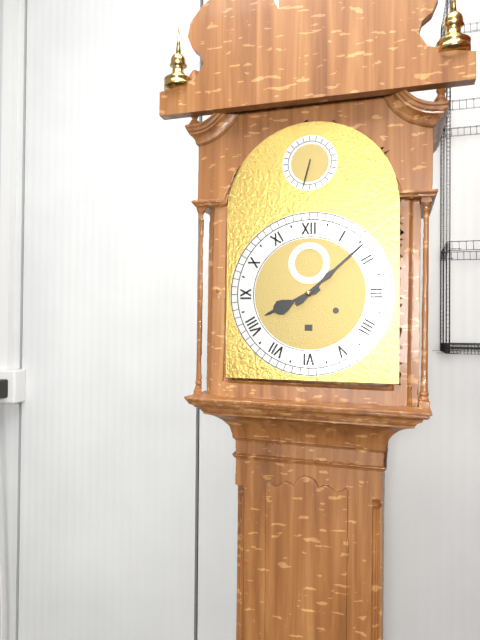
8:08
